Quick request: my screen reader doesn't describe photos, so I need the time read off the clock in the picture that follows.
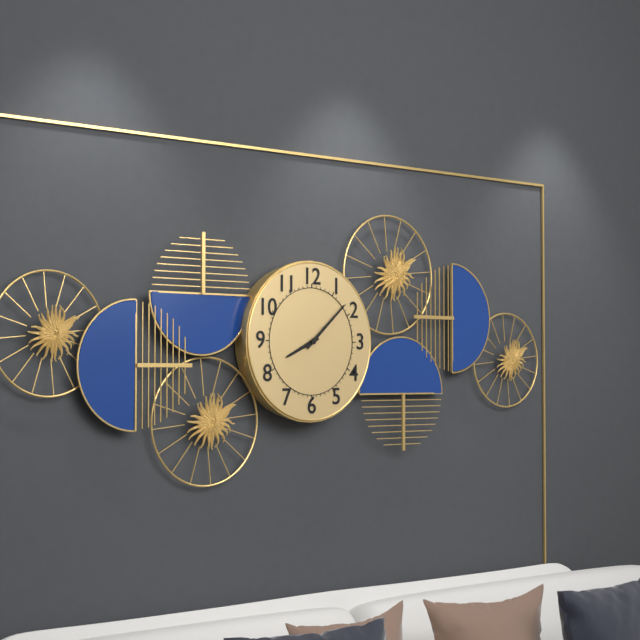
8:08
